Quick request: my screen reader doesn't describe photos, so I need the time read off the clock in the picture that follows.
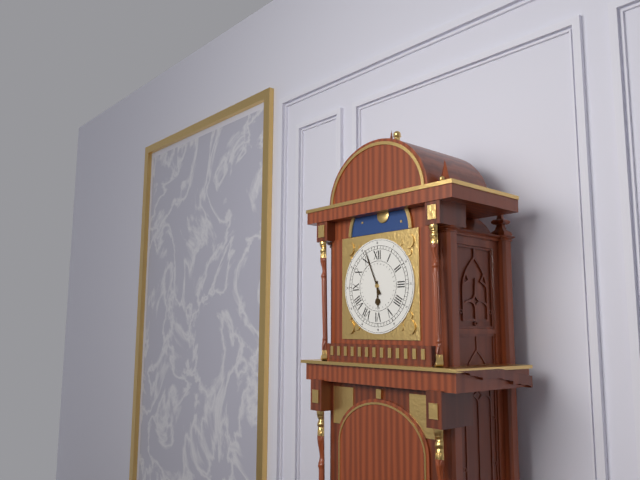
5:56
